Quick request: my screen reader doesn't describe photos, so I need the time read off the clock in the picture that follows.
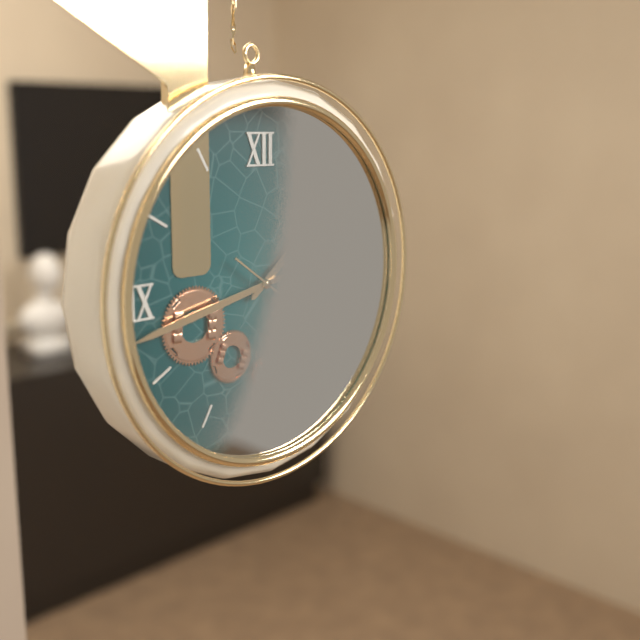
1:43:21
